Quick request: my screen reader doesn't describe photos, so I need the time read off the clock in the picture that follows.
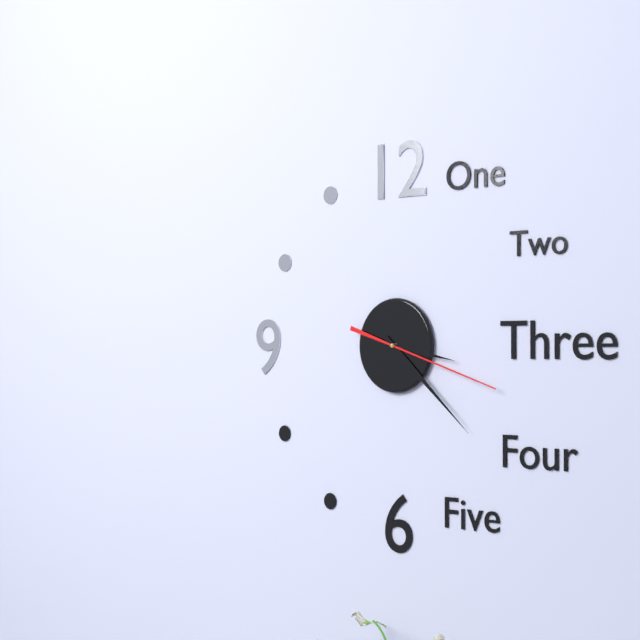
3:22:18
